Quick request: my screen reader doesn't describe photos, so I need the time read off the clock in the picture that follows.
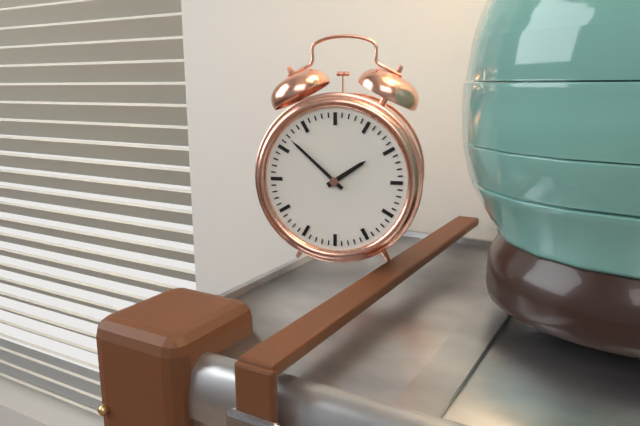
1:52
